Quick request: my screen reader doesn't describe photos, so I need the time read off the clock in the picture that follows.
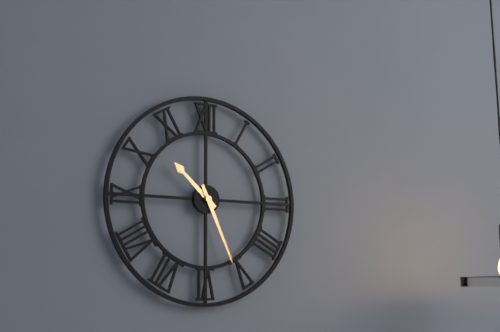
10:26
